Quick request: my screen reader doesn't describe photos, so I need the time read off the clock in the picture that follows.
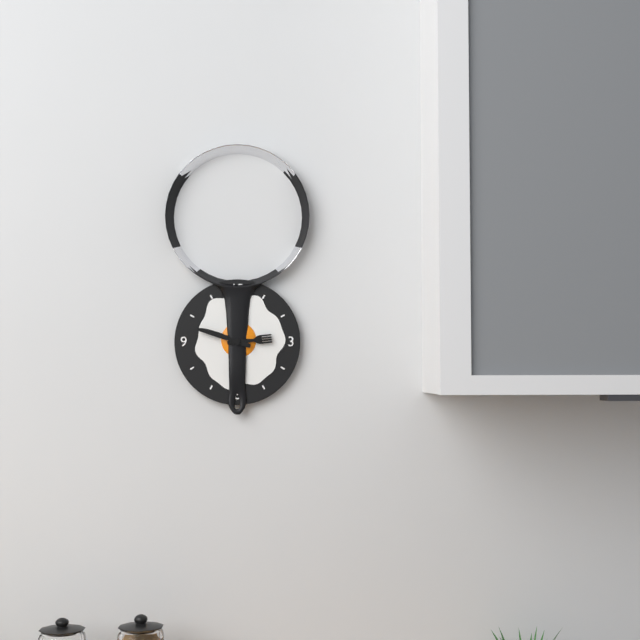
2:48
